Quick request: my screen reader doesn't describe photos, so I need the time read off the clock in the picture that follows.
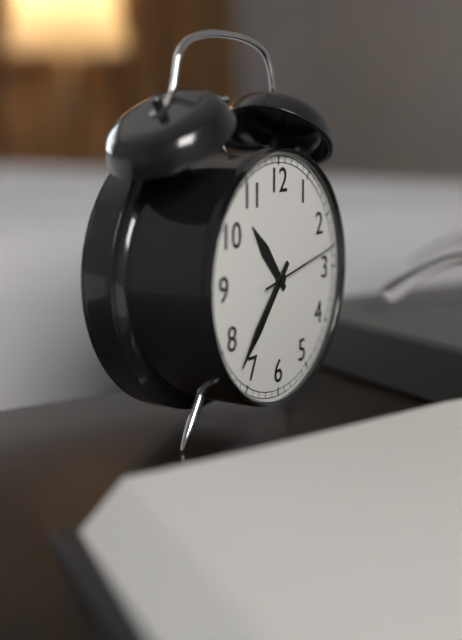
10:37:13
